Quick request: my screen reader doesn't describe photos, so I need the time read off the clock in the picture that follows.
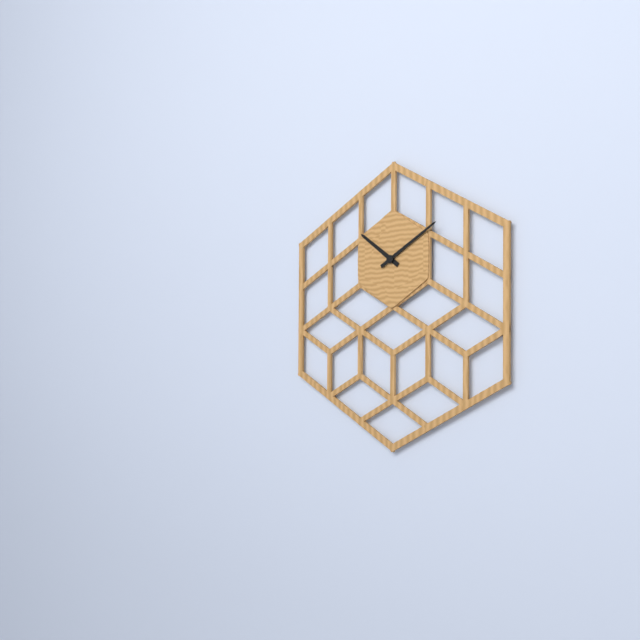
10:10
